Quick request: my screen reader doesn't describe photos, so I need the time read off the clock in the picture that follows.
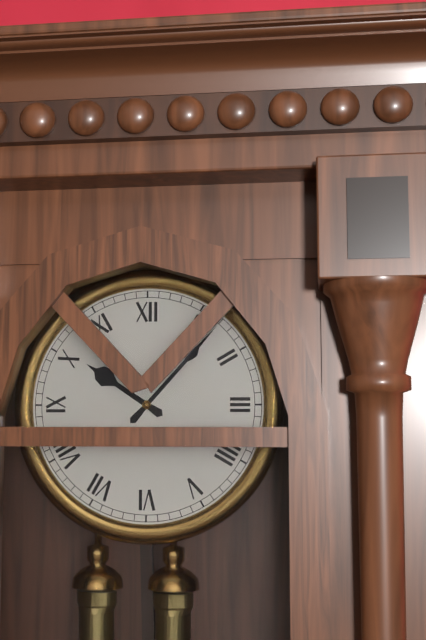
10:07
